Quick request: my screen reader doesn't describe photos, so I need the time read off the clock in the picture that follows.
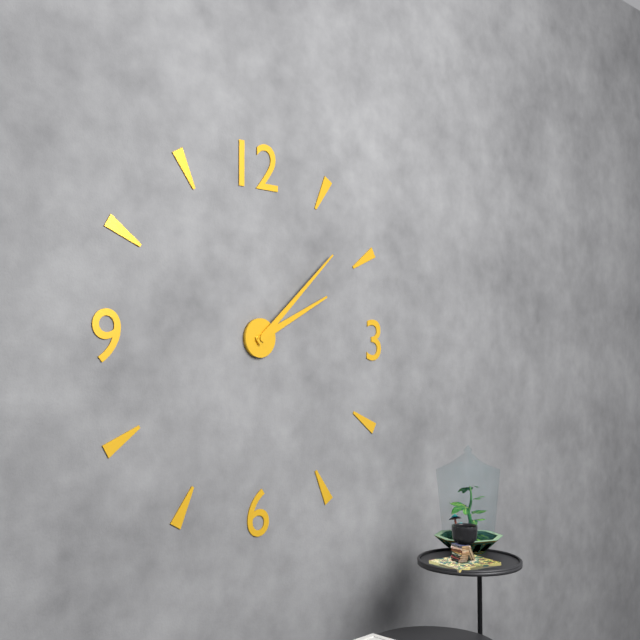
2:08
